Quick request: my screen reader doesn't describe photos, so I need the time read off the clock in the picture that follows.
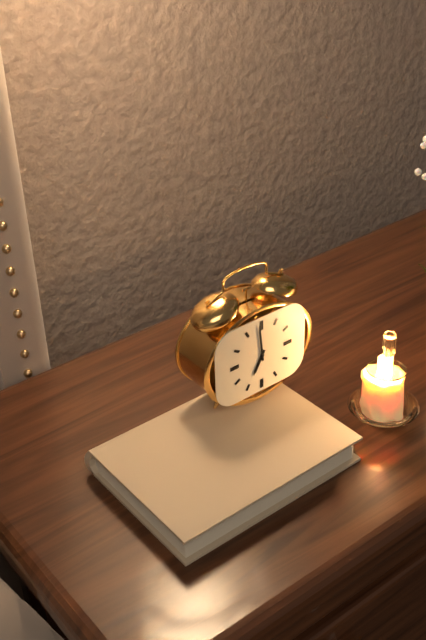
6:59
